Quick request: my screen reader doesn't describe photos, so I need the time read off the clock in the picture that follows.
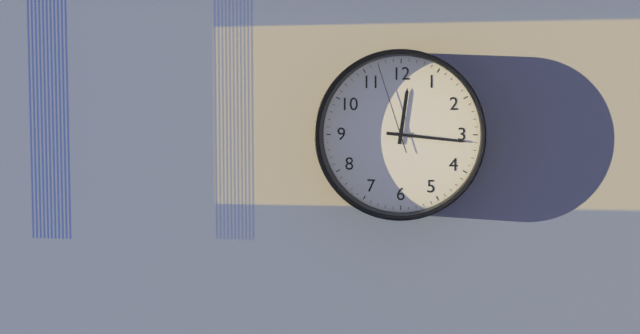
12:16:57
